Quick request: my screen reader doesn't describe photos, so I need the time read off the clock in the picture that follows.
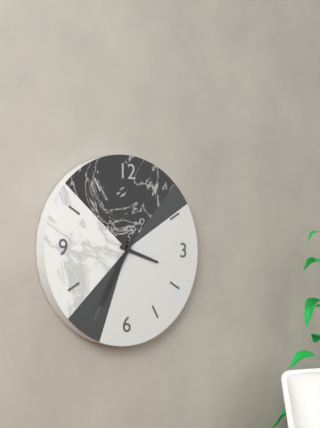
3:35
